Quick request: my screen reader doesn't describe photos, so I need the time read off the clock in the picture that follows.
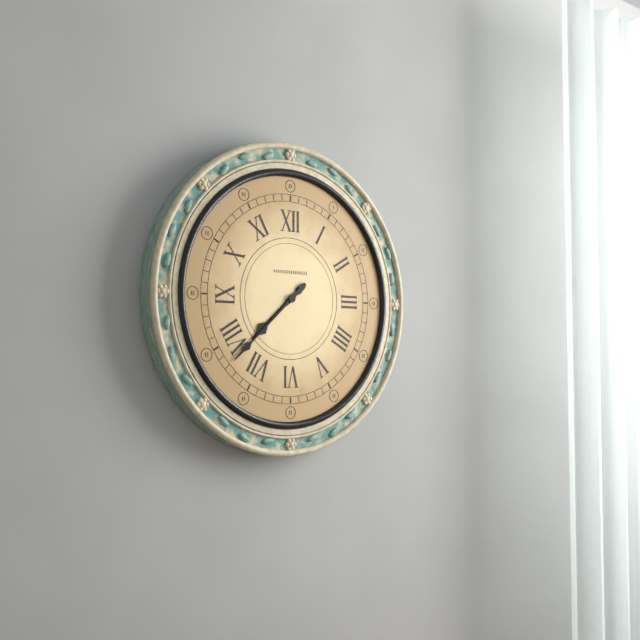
7:38
